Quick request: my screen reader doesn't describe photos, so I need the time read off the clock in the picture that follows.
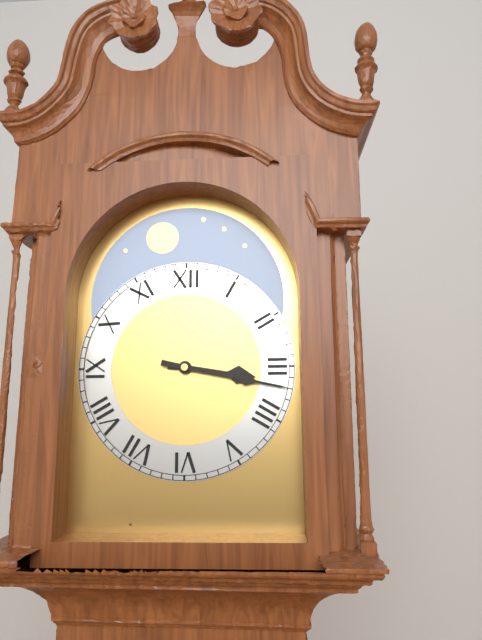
3:17
